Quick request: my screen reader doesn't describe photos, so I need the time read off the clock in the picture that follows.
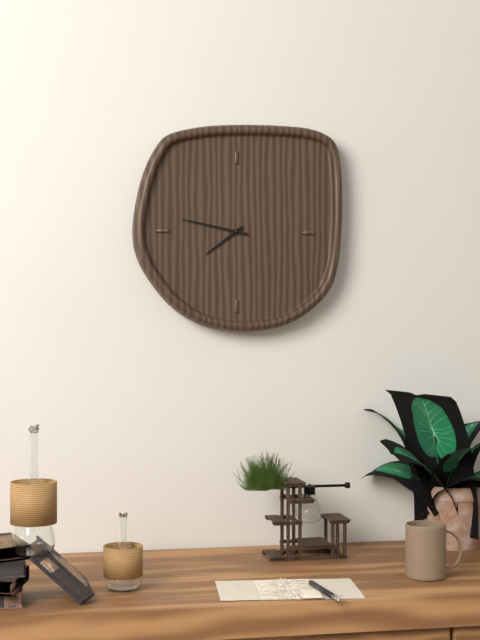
7:47
